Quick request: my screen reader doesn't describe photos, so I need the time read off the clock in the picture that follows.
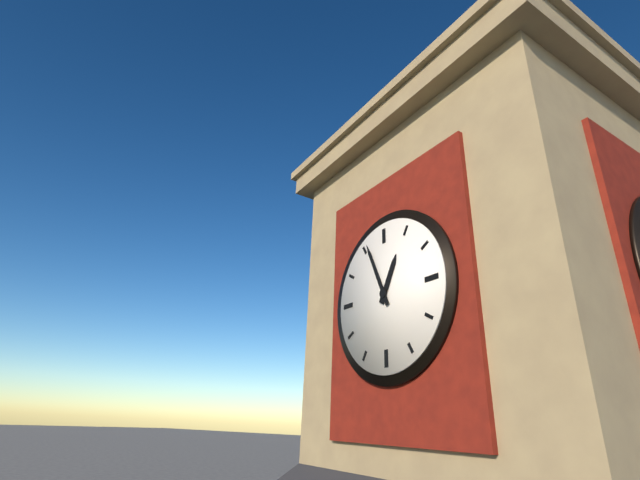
12:56
